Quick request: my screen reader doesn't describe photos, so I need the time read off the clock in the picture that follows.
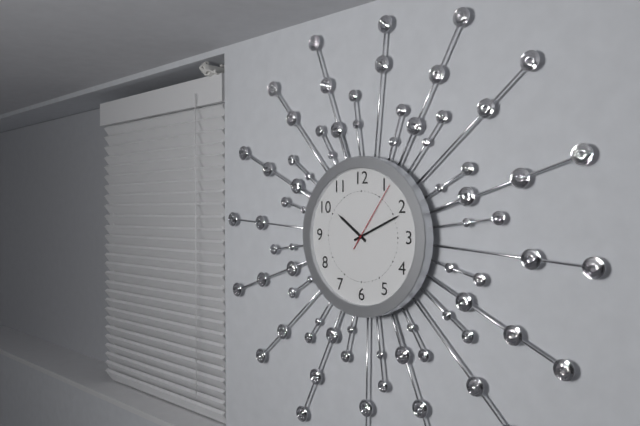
10:11:06
